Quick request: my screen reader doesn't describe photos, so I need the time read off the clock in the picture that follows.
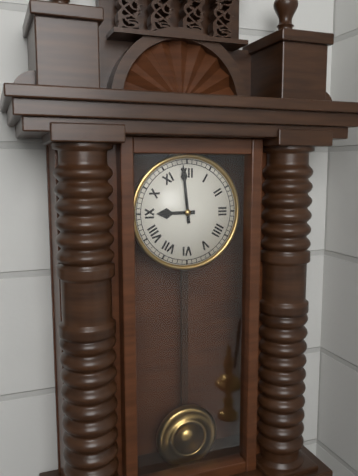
8:59
